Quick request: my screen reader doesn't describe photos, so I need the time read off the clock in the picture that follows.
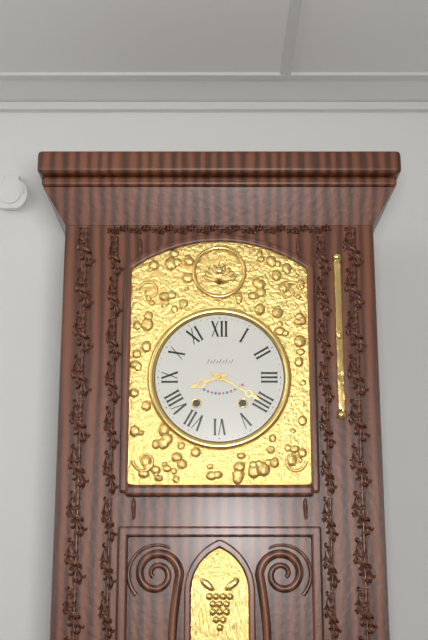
8:20
